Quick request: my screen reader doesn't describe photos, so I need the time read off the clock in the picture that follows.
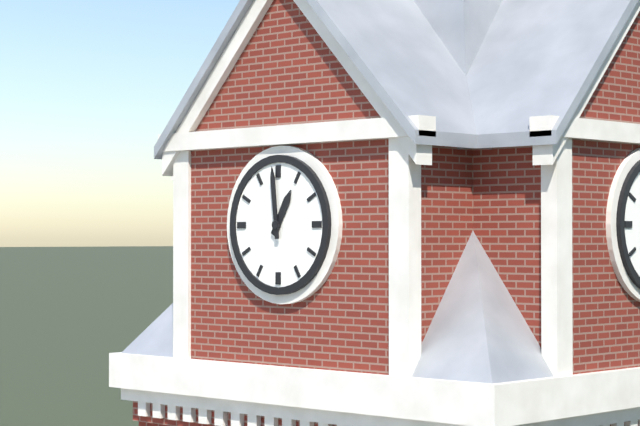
12:59
